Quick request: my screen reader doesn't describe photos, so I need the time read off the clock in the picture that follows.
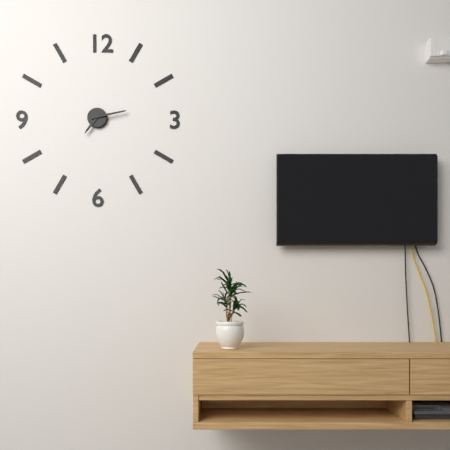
7:13
